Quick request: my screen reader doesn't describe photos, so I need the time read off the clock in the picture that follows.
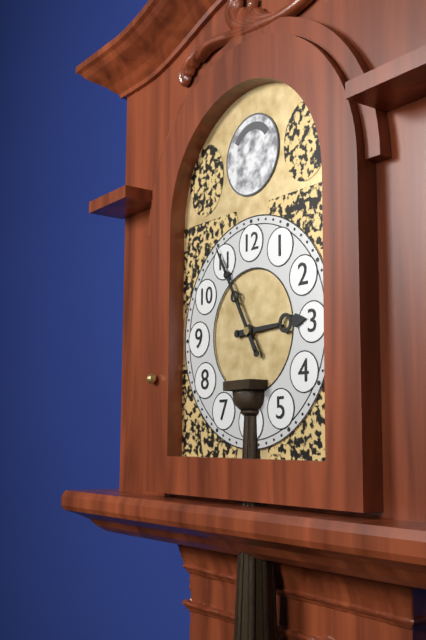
2:55
